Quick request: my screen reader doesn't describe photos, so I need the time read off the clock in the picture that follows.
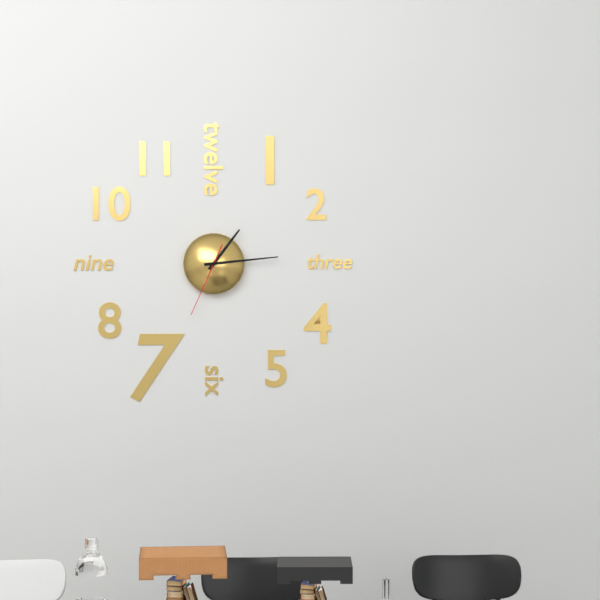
1:14:34
